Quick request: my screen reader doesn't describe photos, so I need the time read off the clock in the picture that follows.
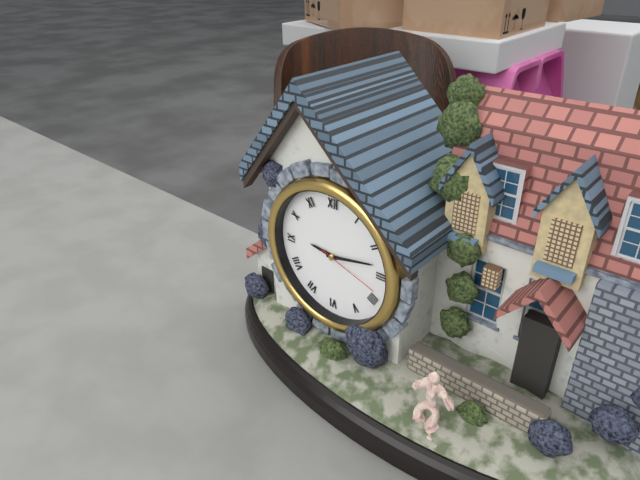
9:13:18
